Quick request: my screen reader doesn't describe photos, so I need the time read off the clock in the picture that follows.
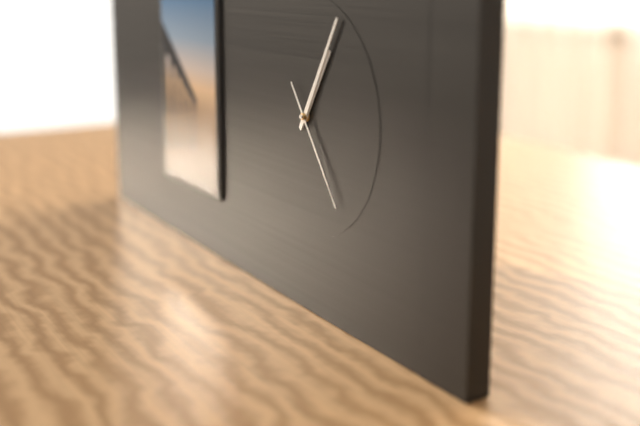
1:05:24
